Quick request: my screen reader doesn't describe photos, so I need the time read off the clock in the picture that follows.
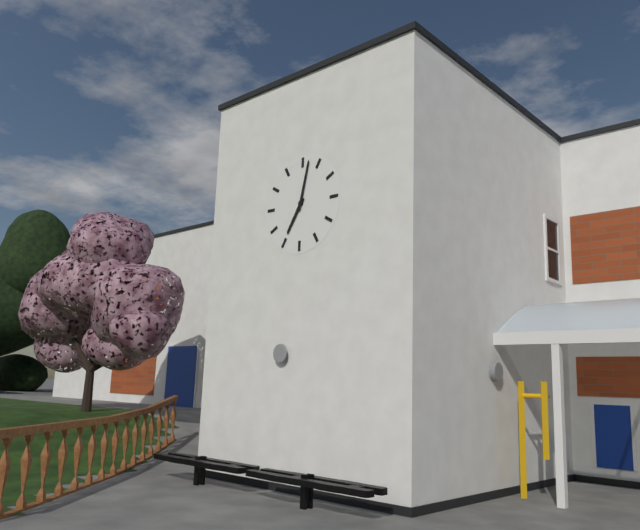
7:02
